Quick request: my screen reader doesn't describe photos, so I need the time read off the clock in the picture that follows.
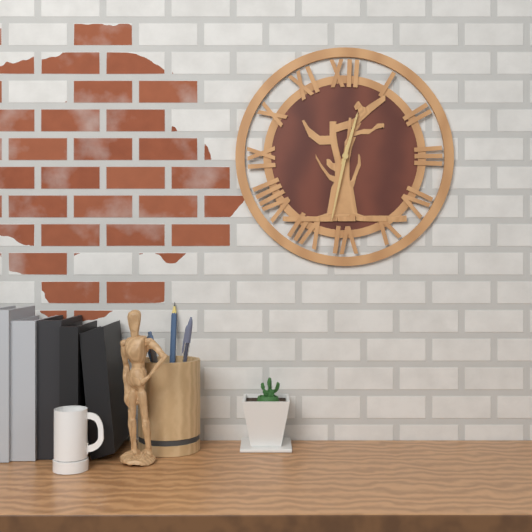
12:32
